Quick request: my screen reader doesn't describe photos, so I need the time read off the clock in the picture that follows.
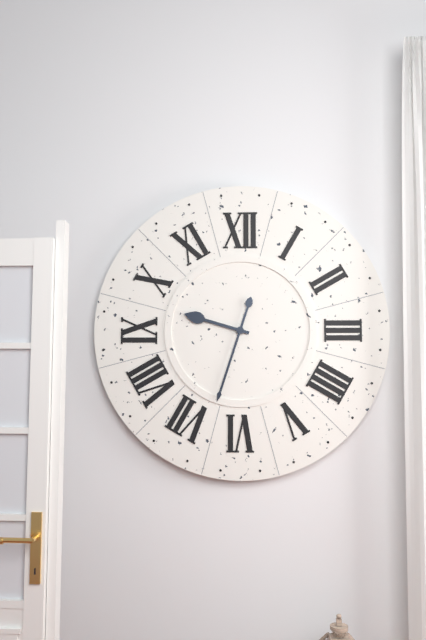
9:33
